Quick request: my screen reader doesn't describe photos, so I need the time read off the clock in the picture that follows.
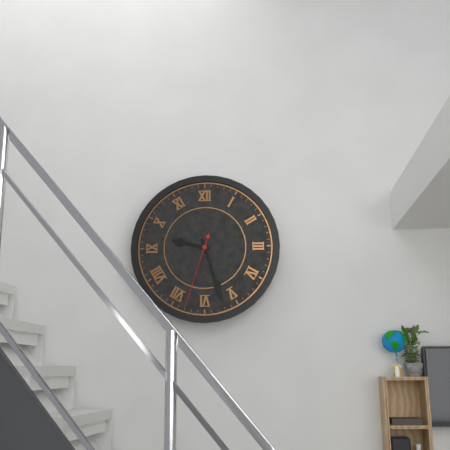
9:27:33
